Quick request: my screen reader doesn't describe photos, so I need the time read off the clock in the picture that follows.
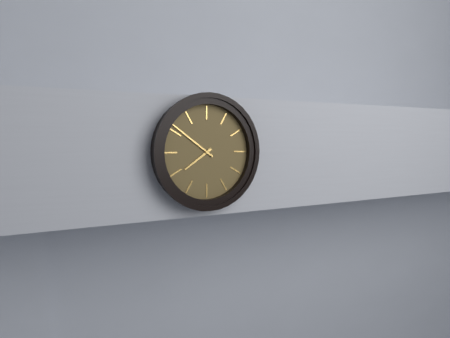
7:51
